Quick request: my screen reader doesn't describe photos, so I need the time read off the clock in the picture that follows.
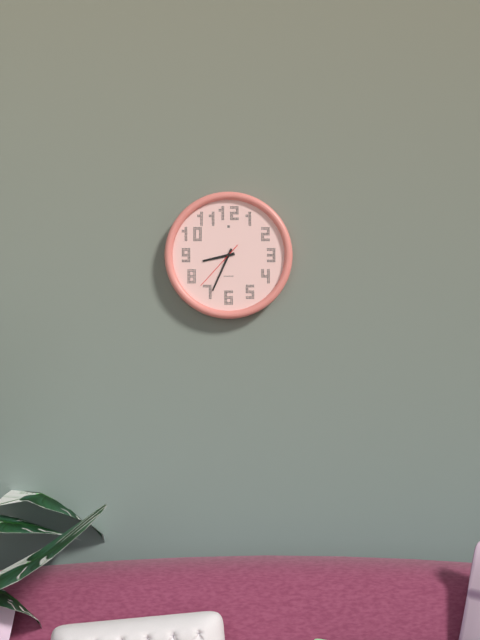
8:34:37
